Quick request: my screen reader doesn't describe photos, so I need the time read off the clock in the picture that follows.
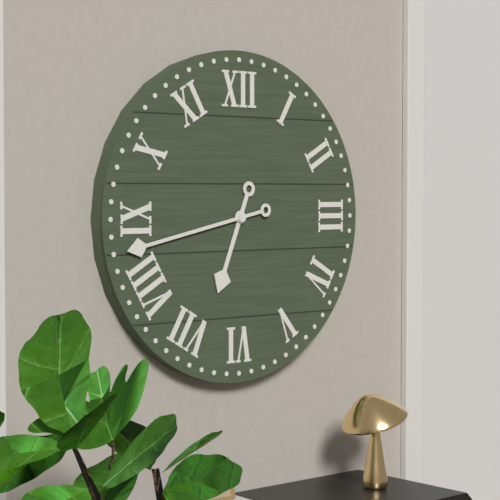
6:43
